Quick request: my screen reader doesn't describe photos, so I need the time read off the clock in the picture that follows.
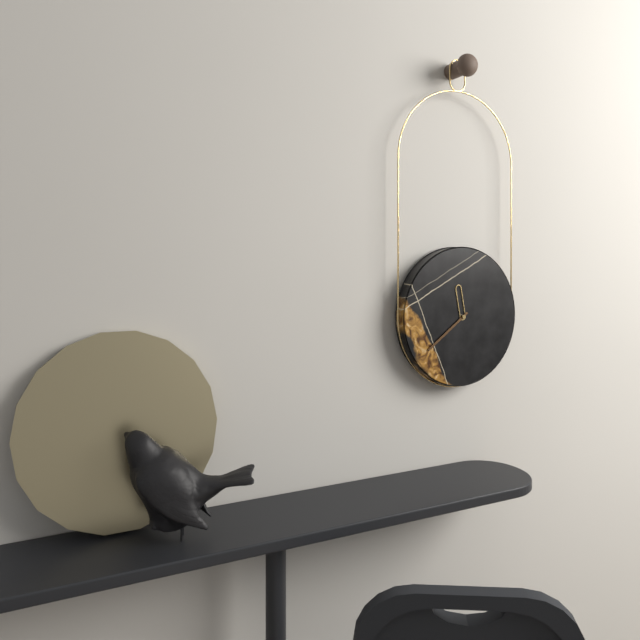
11:39
